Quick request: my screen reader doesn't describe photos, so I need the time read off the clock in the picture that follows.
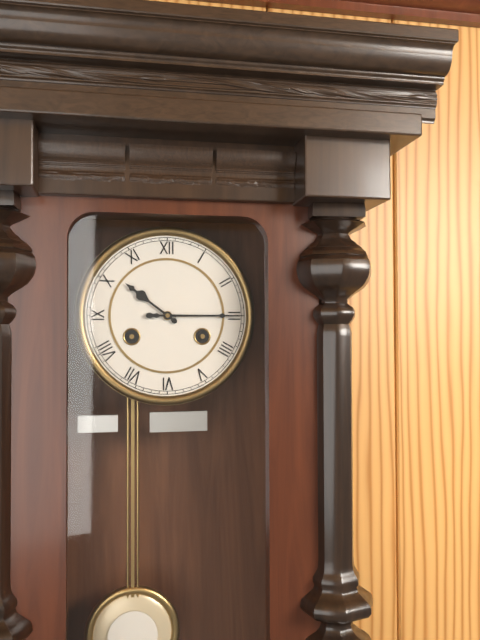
10:15
